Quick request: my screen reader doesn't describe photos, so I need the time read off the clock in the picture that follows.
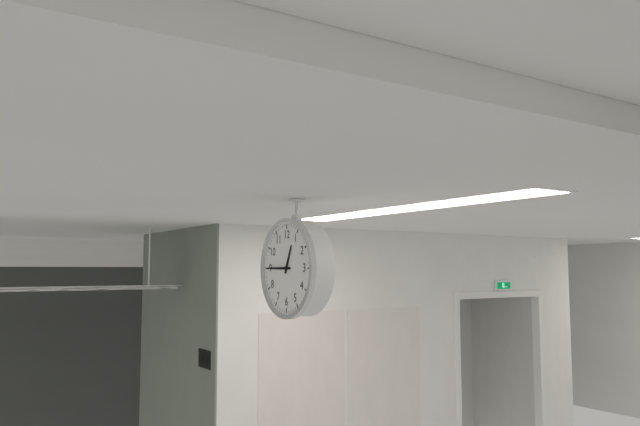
12:45
